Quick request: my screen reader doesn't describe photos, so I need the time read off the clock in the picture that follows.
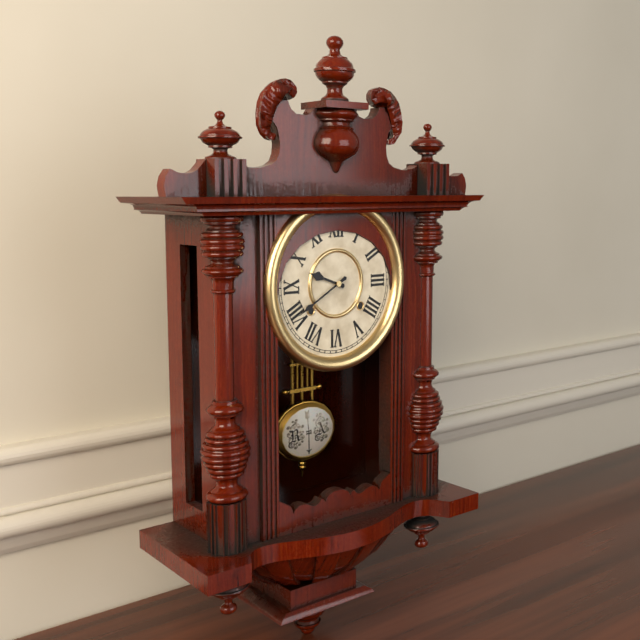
9:40
